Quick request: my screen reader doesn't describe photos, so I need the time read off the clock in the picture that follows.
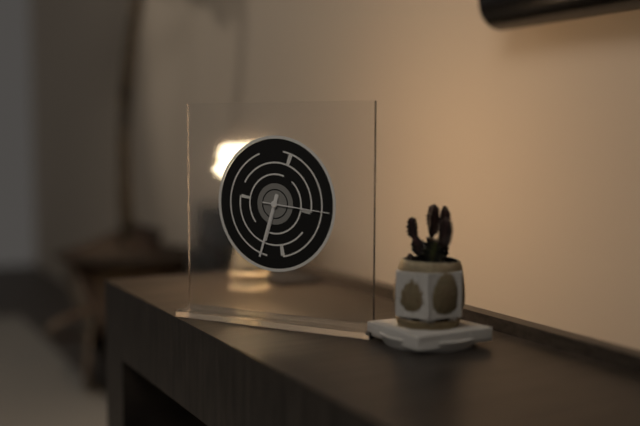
6:33:16
